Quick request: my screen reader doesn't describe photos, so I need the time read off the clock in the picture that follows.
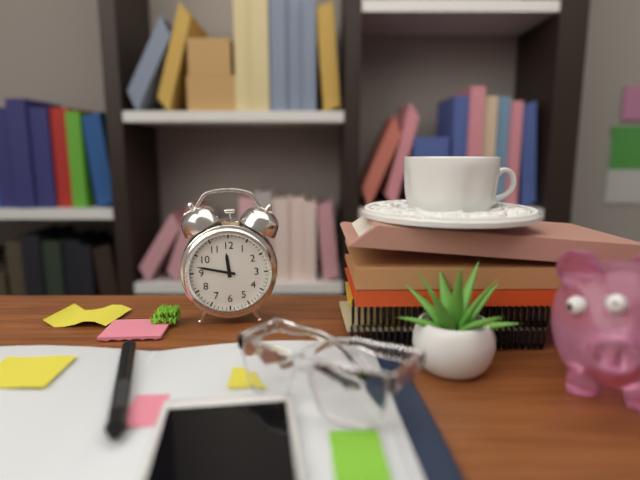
11:47
